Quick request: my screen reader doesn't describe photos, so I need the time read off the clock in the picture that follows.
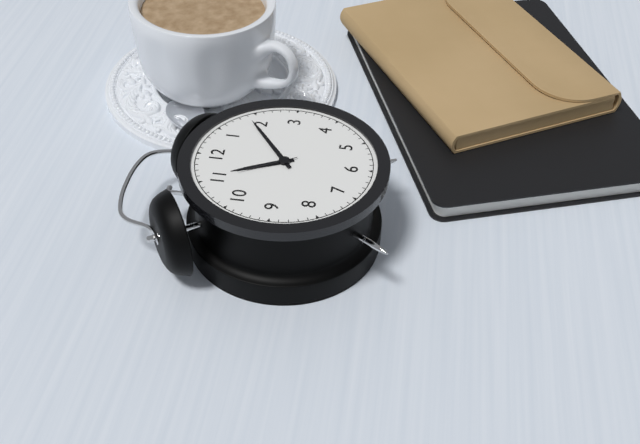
11:09:55
